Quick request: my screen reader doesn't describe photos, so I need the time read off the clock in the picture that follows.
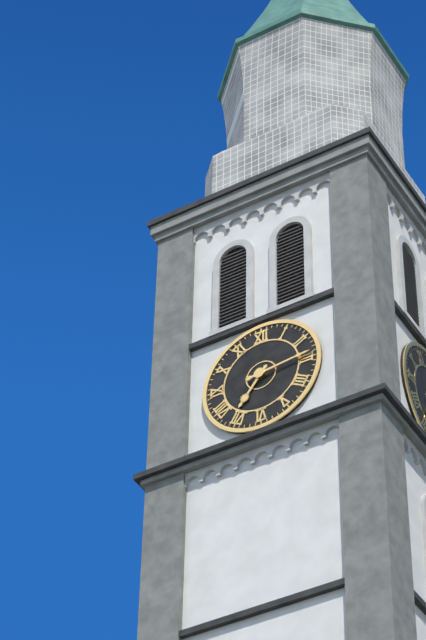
7:14
